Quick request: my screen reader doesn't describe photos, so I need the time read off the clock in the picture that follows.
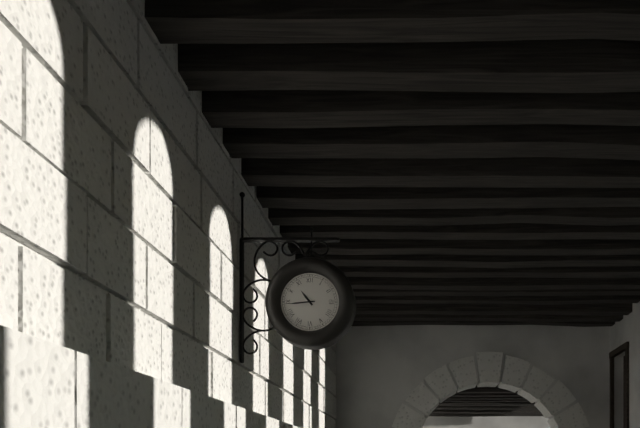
10:44
